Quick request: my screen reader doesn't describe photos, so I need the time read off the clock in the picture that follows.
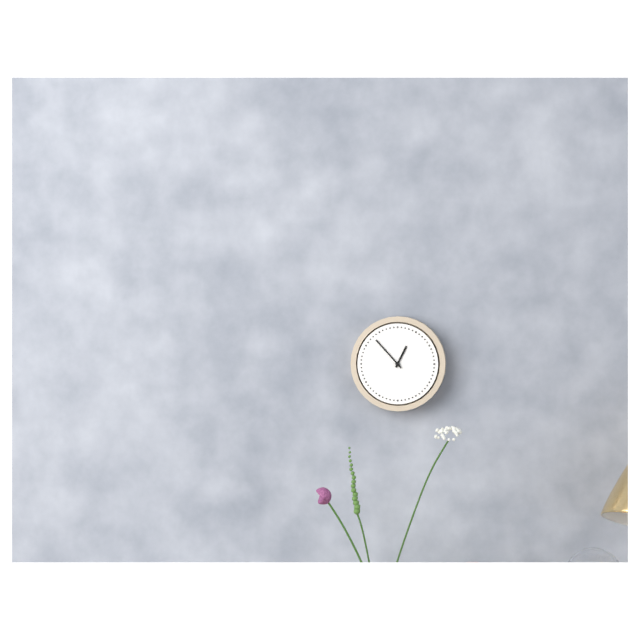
12:53
